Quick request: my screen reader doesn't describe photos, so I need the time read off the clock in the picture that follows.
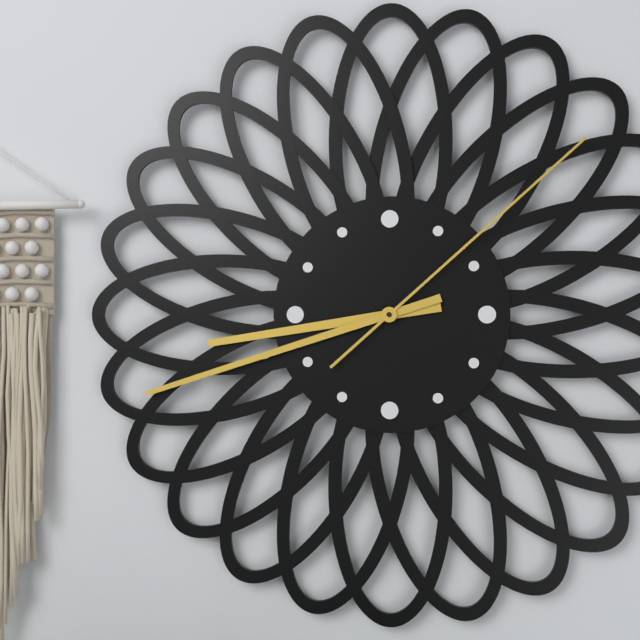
8:42:08
